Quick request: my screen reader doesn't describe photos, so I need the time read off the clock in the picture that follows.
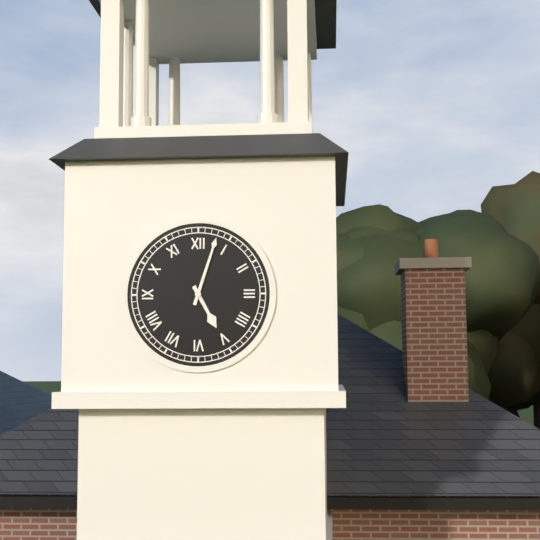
5:03
